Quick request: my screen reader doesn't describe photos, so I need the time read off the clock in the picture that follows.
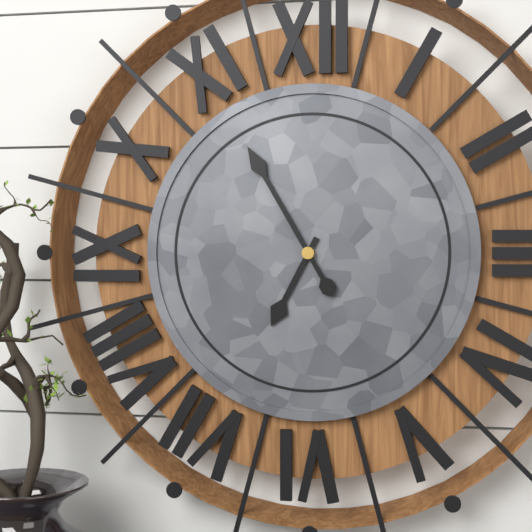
6:55
